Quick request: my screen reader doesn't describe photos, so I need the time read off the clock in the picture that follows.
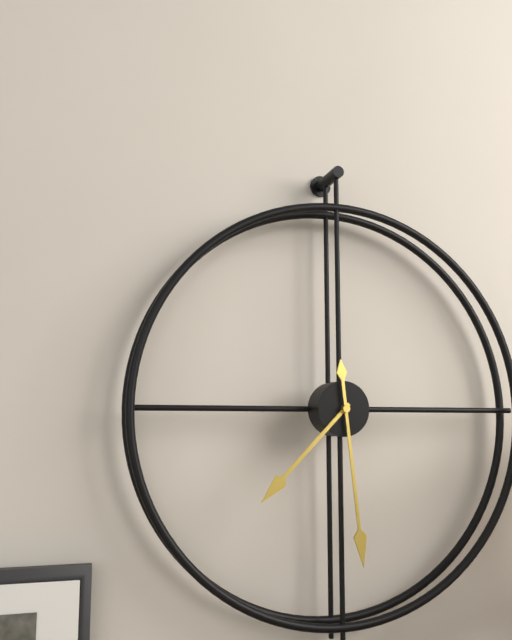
7:29
